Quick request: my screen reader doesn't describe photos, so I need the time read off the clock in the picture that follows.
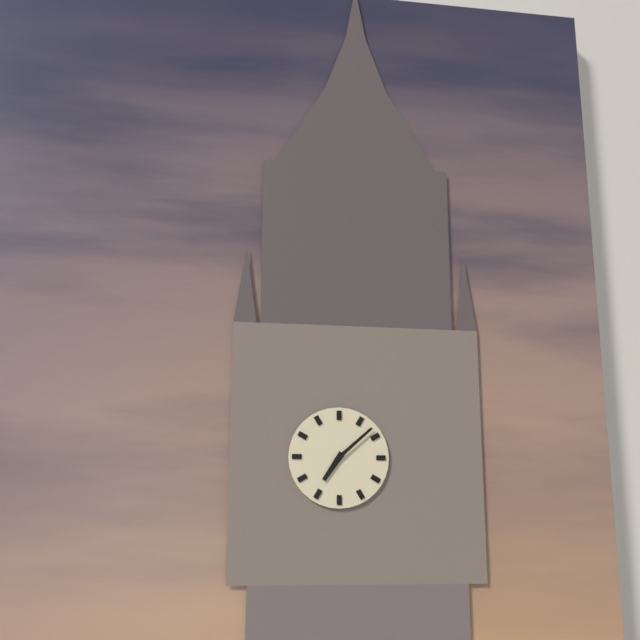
7:08
